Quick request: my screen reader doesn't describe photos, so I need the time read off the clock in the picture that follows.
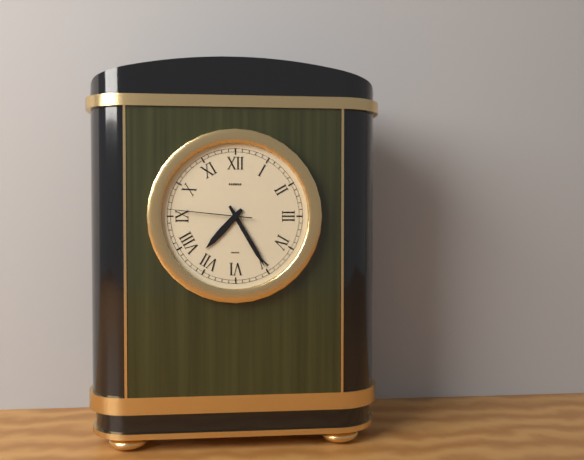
7:25:46
